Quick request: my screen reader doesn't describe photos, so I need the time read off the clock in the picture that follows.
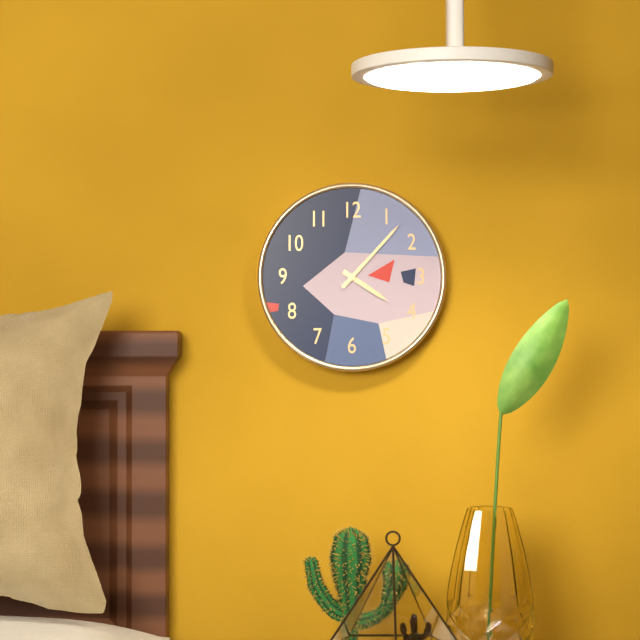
4:07
